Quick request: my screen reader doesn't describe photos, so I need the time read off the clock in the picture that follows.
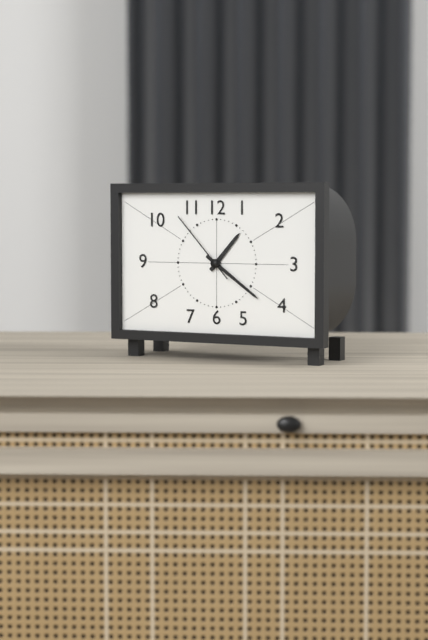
1:21:53
